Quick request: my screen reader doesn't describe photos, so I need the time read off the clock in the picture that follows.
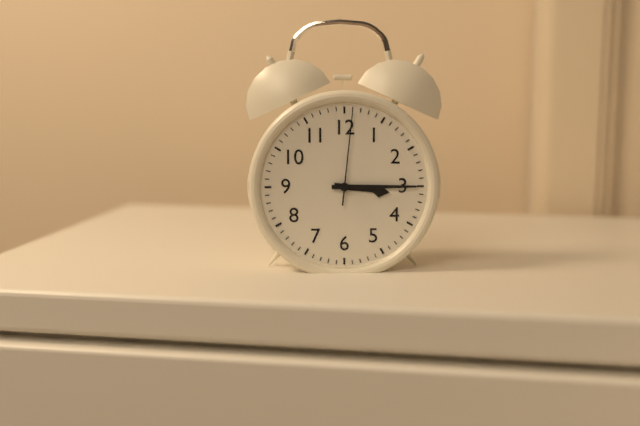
3:15:01
